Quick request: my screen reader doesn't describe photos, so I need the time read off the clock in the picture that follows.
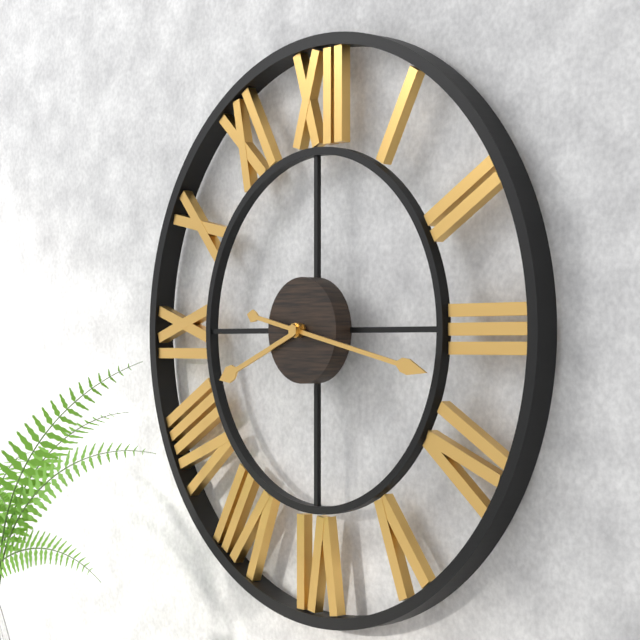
8:17
